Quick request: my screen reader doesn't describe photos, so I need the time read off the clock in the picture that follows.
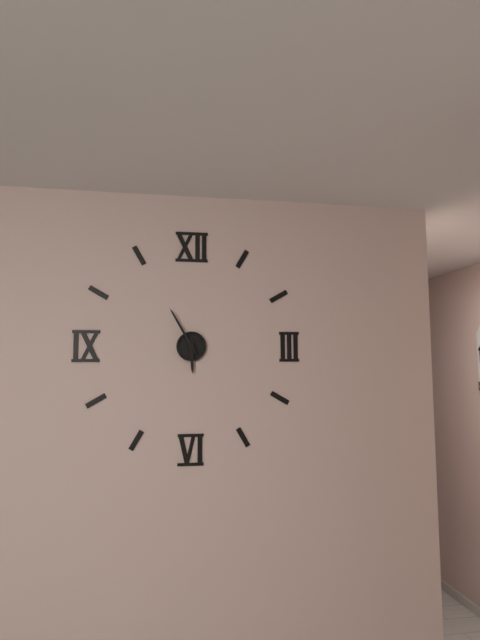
5:55
